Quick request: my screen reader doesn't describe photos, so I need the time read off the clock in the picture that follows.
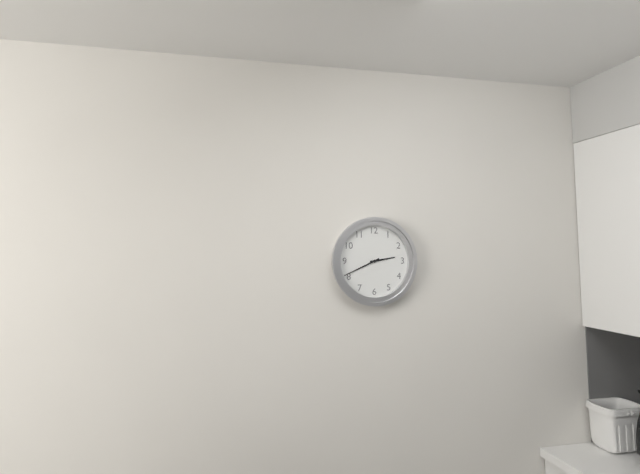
2:41
